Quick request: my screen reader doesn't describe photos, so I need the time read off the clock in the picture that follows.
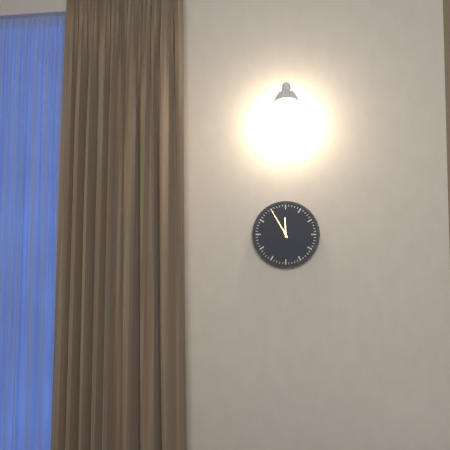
11:55
